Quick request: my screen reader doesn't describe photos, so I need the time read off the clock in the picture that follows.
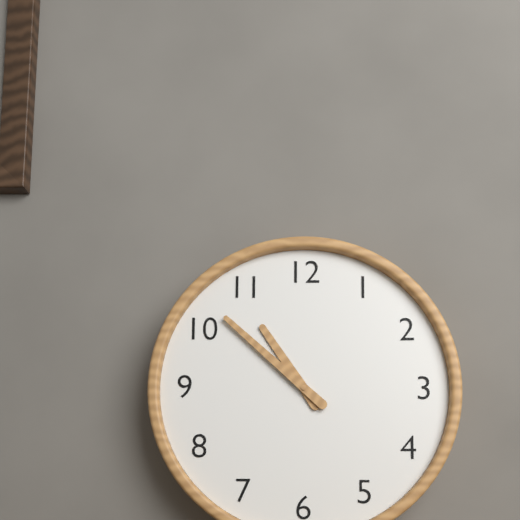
10:52
